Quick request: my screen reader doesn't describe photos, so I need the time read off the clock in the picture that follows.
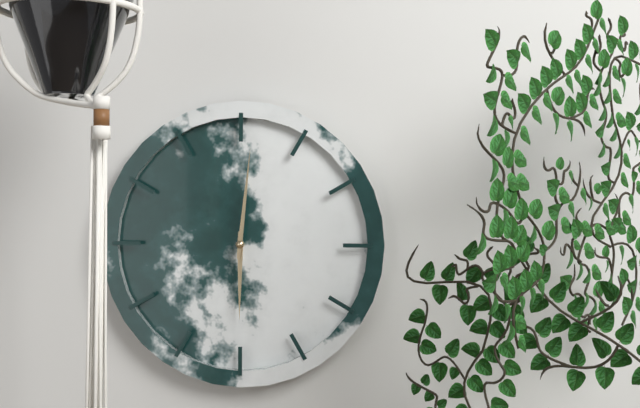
6:01
